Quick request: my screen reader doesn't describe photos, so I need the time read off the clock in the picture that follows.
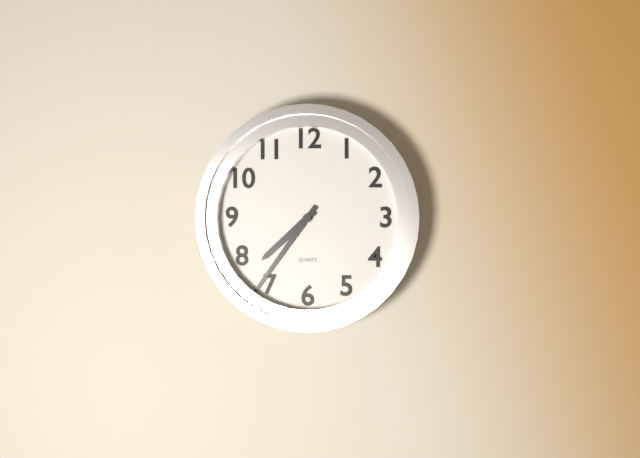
7:36
